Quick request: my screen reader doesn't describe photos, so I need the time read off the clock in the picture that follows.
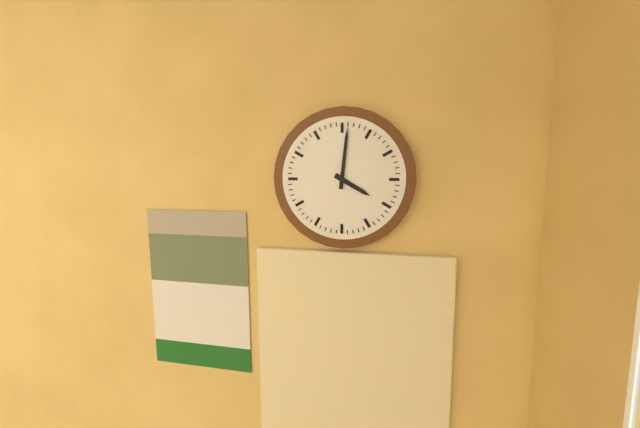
4:01
